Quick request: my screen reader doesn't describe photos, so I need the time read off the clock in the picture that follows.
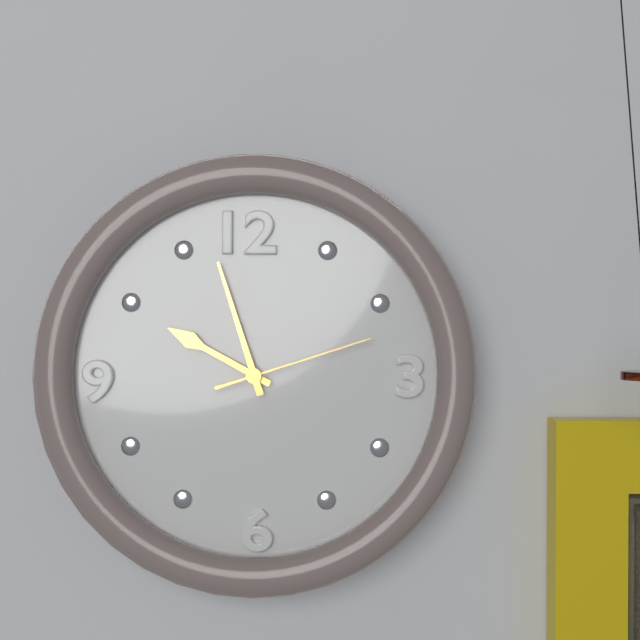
9:57:12
